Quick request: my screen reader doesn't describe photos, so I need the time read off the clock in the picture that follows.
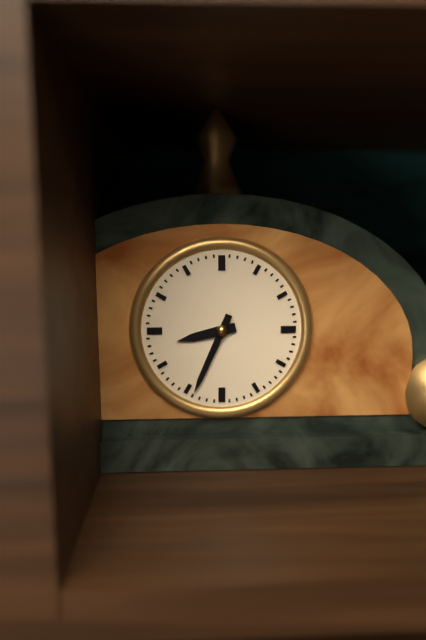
8:34
